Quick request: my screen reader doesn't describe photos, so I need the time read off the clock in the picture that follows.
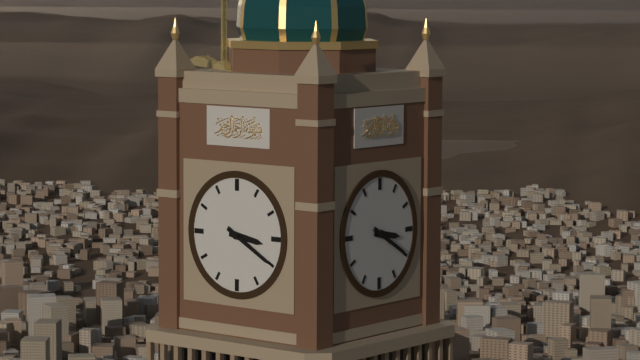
3:20
